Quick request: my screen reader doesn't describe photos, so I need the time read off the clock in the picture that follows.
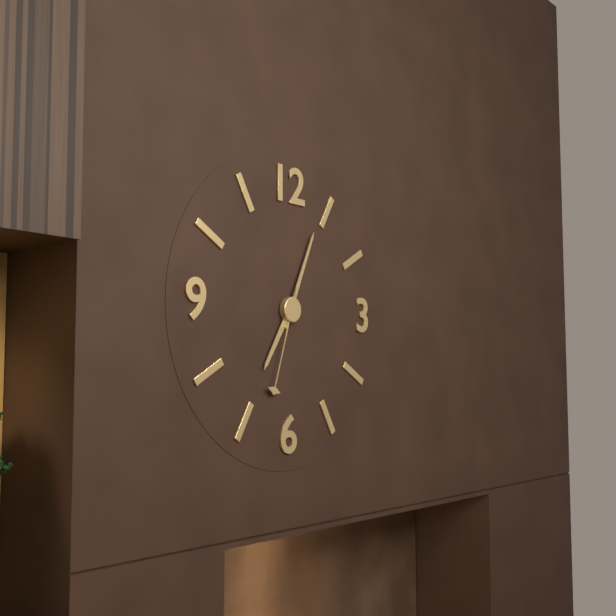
7:04:33
